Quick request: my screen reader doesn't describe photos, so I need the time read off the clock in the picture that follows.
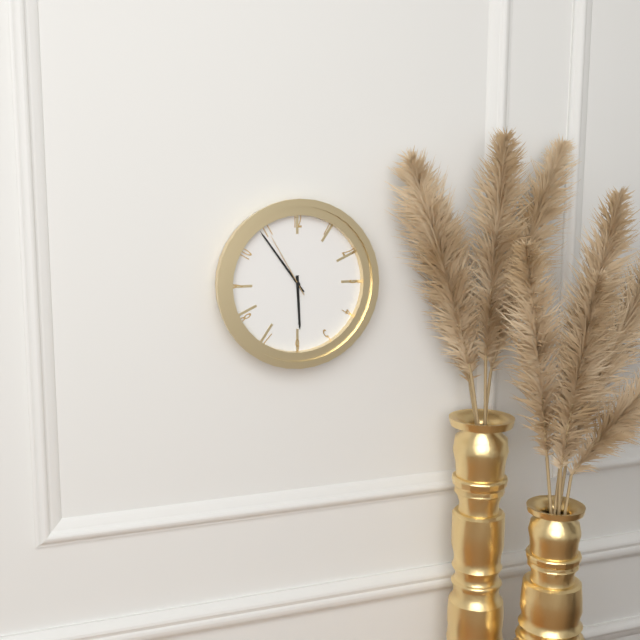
5:54:55
